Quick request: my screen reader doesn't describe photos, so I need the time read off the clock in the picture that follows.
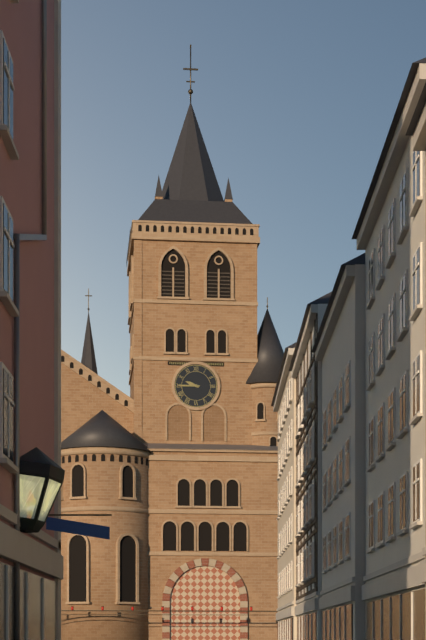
9:45
